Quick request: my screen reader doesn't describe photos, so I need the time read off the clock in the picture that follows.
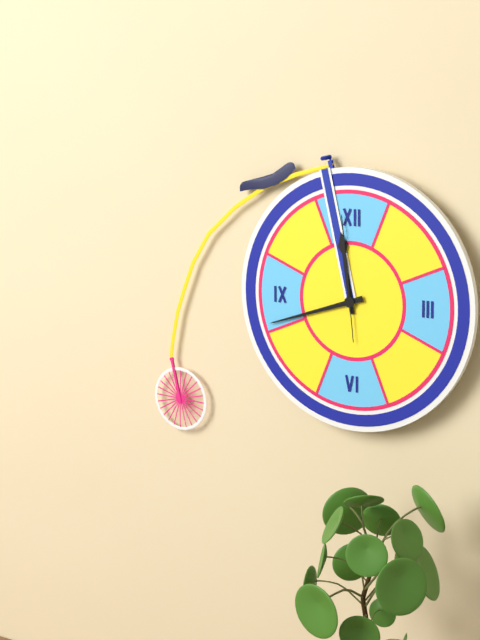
11:42:59
